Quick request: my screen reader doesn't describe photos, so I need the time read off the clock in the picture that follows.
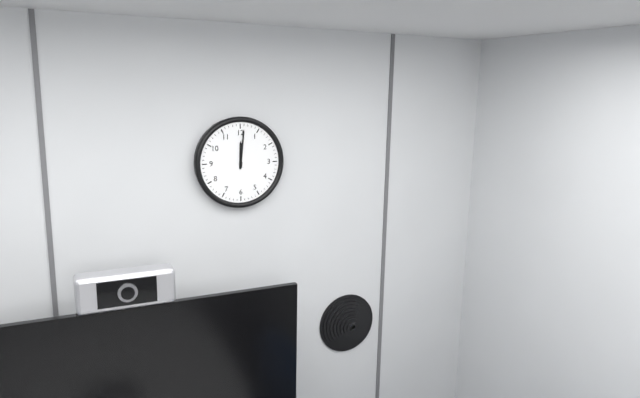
12:01
